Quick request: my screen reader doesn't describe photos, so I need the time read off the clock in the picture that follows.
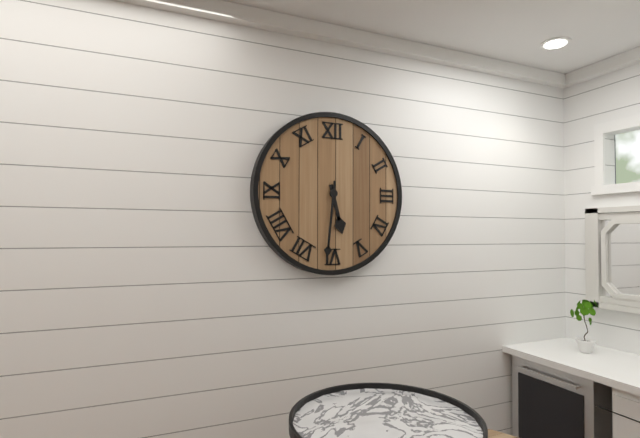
5:31
